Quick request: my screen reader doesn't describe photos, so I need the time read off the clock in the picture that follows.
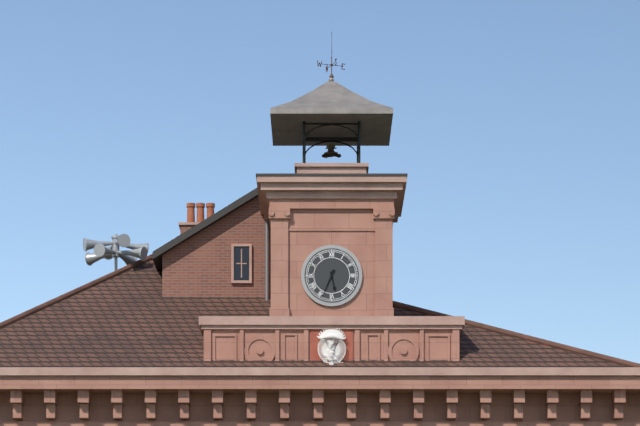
5:34
